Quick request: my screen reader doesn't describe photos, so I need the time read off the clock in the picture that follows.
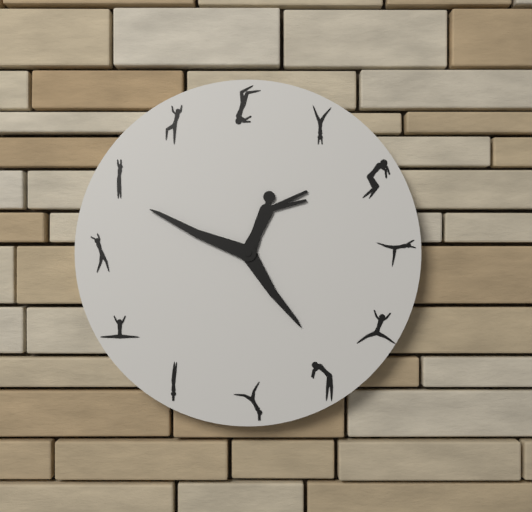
4:49
